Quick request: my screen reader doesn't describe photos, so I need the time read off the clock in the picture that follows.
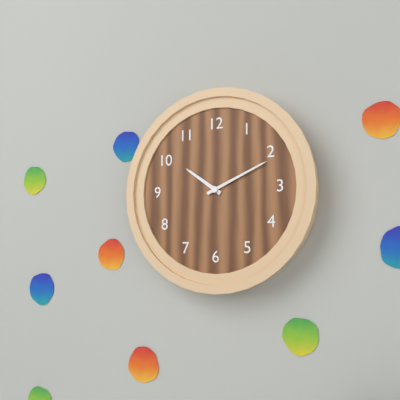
10:11
